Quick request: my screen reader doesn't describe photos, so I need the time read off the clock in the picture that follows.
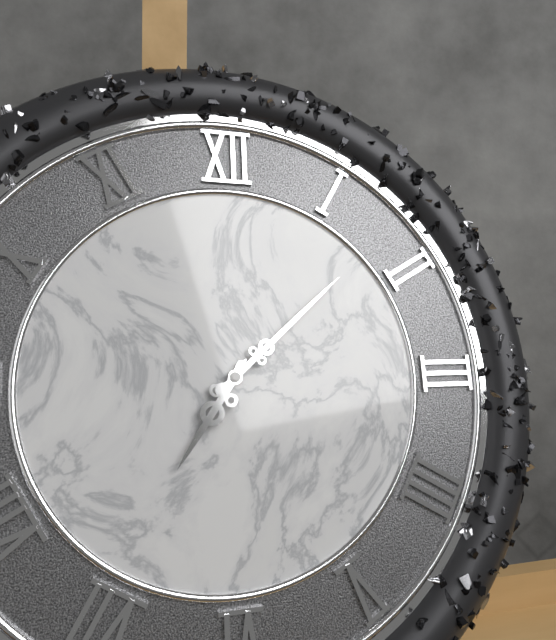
7:08
